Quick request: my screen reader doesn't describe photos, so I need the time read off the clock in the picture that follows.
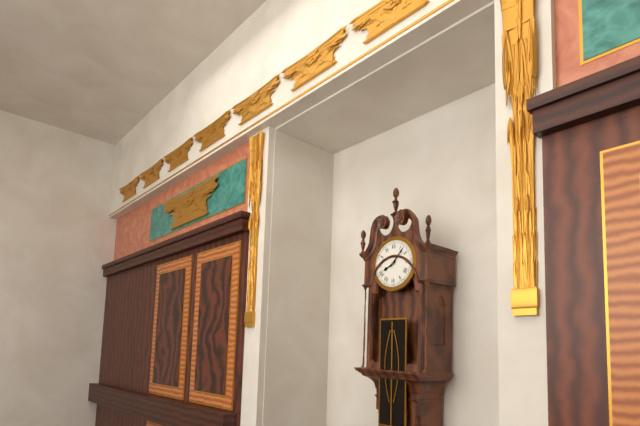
8:07
